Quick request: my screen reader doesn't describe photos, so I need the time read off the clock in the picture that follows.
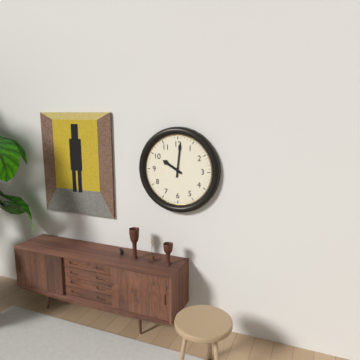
10:01
